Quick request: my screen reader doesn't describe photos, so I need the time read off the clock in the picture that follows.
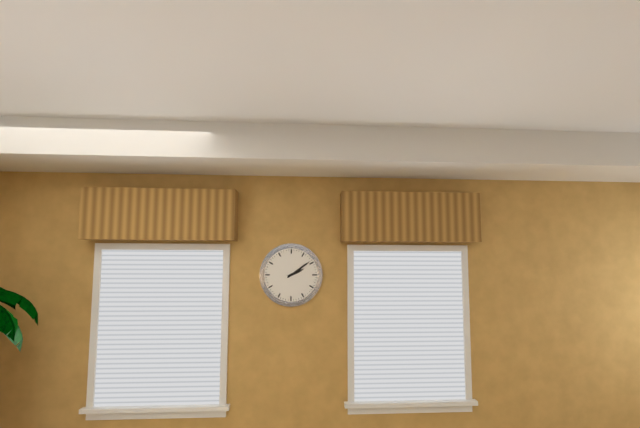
2:09
